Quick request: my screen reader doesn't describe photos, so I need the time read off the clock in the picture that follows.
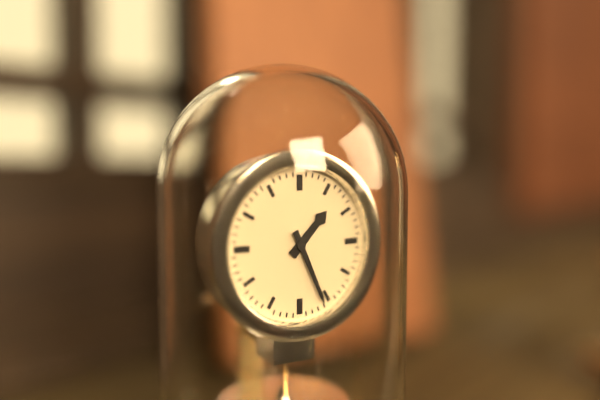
1:26
